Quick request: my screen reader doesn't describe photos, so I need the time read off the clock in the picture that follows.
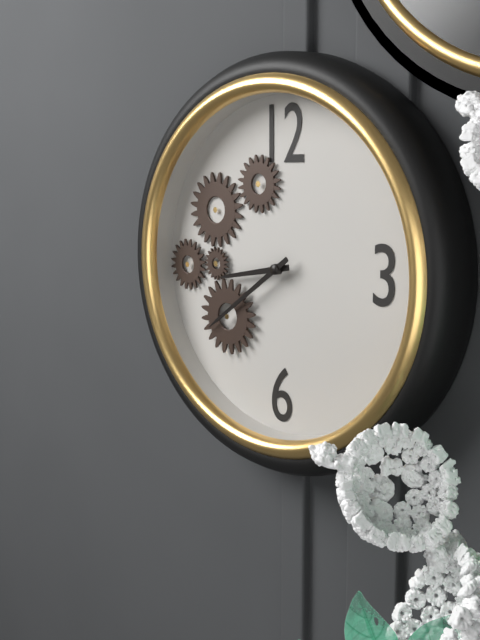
8:39
